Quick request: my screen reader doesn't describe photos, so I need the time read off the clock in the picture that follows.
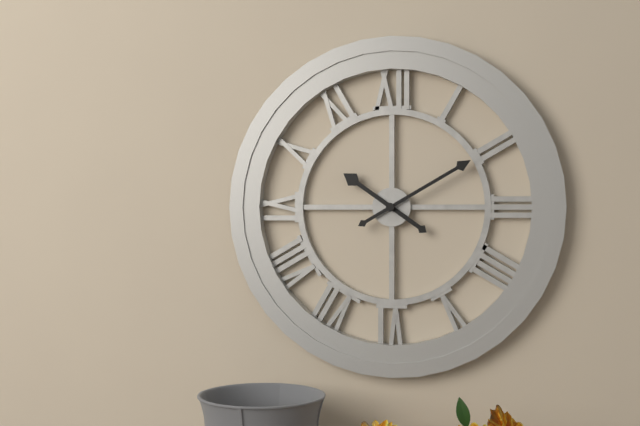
10:10
